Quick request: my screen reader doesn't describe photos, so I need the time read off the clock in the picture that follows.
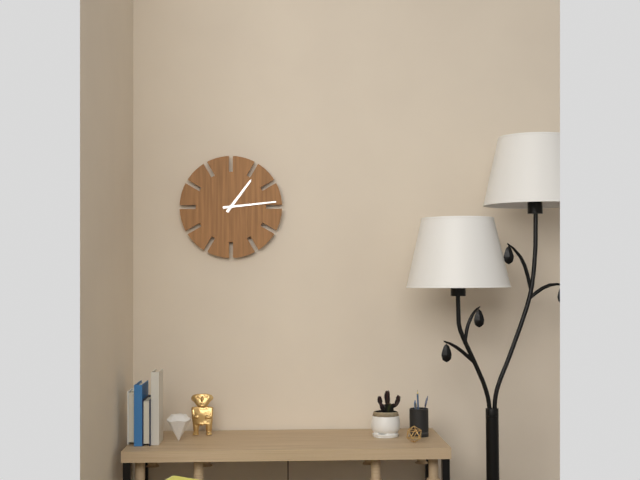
1:14
